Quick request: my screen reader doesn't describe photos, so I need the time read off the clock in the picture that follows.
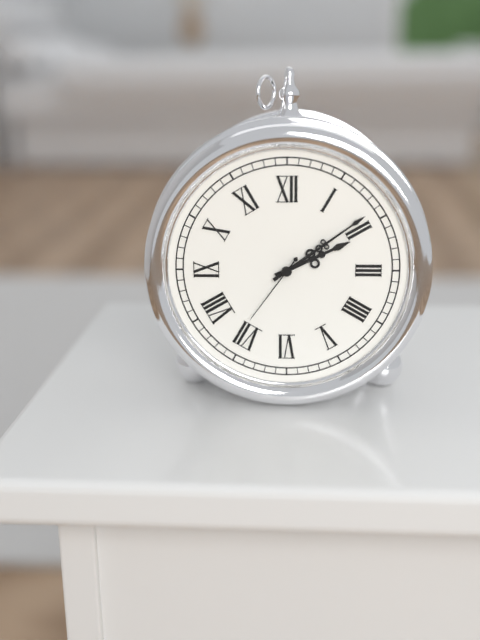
2:09:36
